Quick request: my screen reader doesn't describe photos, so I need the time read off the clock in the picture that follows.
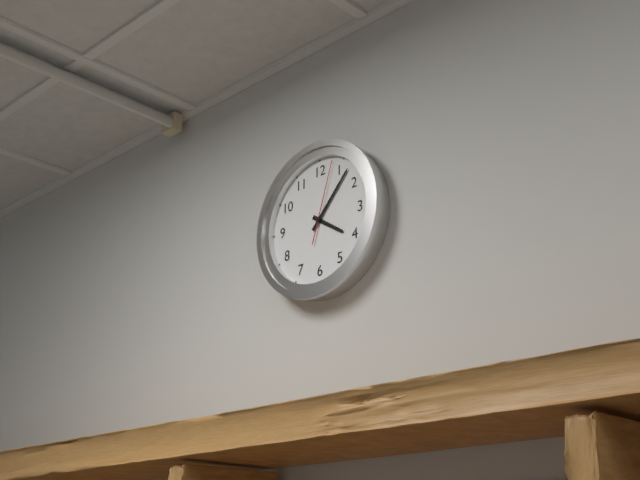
4:07:03
